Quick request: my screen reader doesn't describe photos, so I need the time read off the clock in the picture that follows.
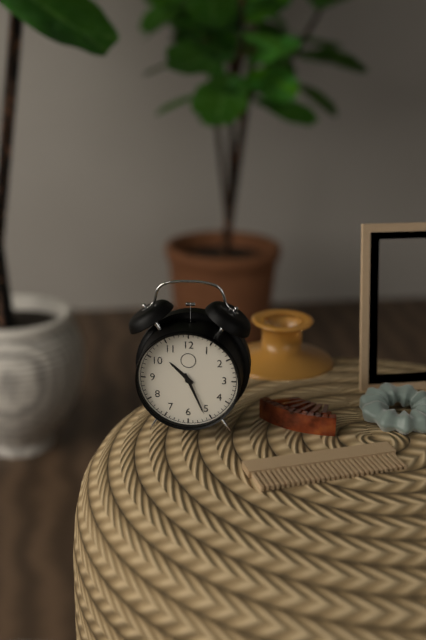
10:26
